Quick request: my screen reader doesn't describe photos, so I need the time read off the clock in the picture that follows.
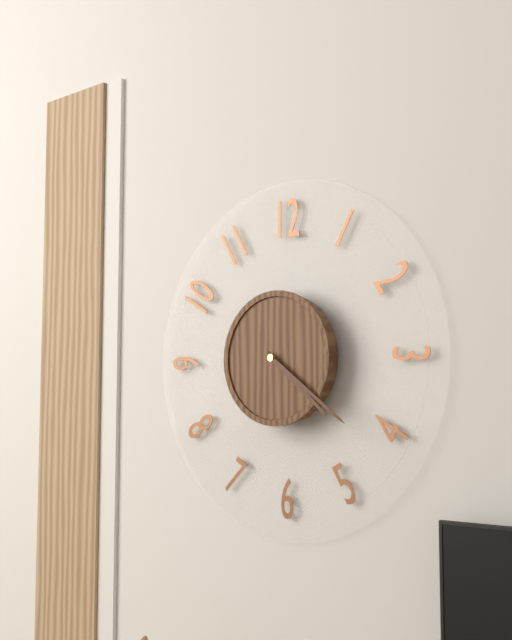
4:21
